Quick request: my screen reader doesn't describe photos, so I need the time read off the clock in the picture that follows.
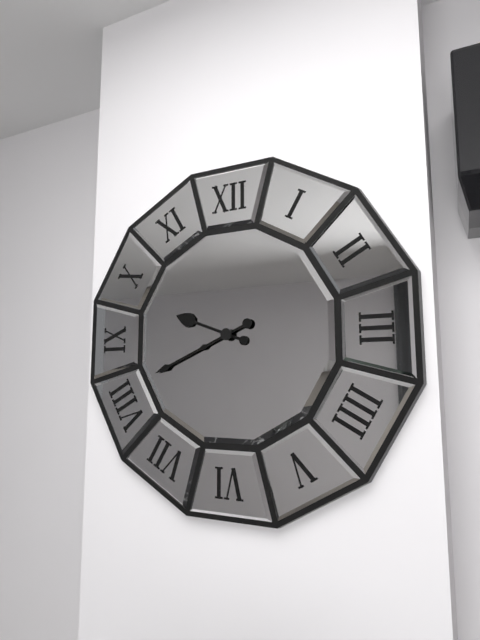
9:41
